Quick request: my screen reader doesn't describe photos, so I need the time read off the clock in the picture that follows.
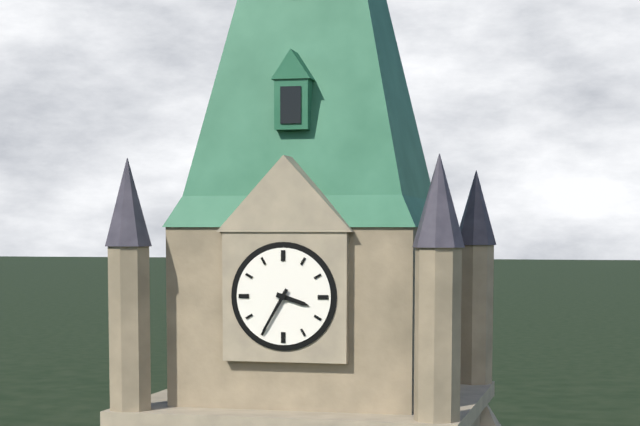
3:35
